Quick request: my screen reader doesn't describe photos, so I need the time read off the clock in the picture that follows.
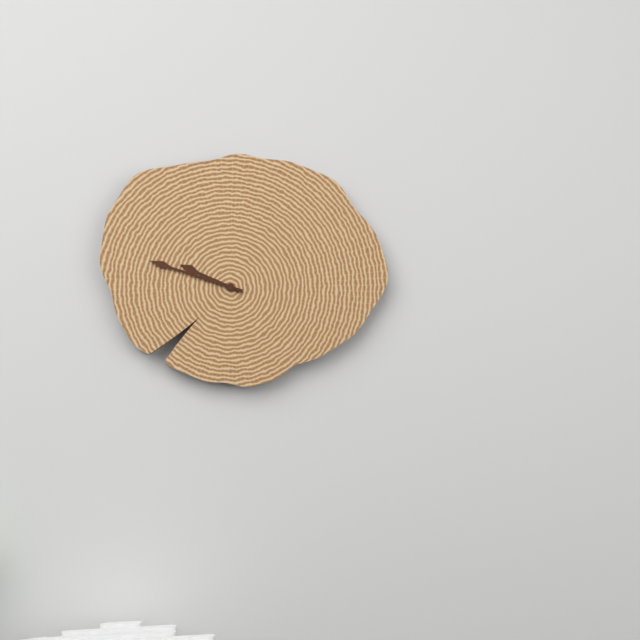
9:48
